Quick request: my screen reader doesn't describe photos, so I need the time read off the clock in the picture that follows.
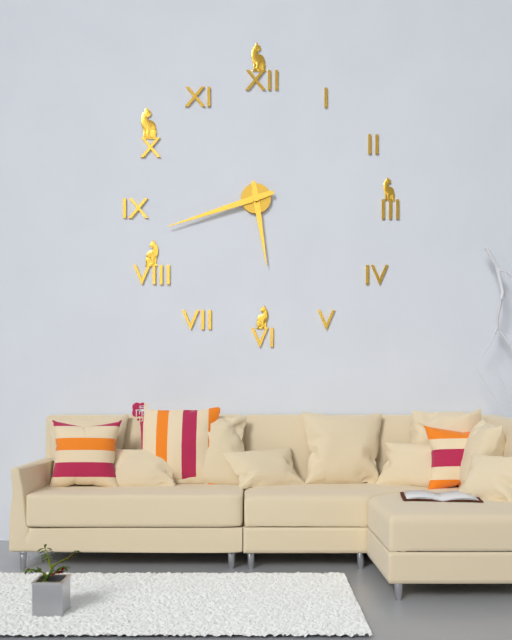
5:42
